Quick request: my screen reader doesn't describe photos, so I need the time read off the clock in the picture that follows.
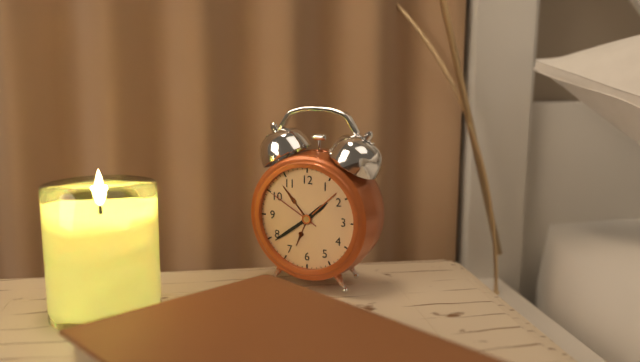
1:39:50
